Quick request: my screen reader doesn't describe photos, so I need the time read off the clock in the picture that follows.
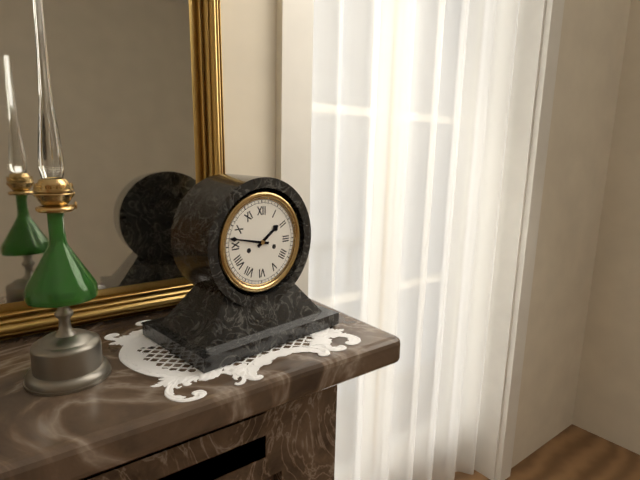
1:47
